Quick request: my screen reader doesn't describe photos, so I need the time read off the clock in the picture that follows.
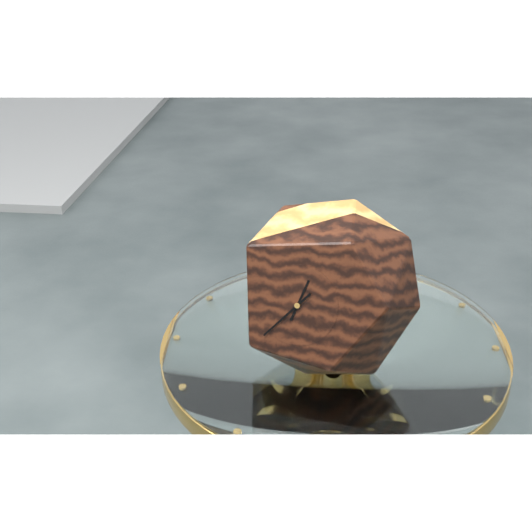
12:37
